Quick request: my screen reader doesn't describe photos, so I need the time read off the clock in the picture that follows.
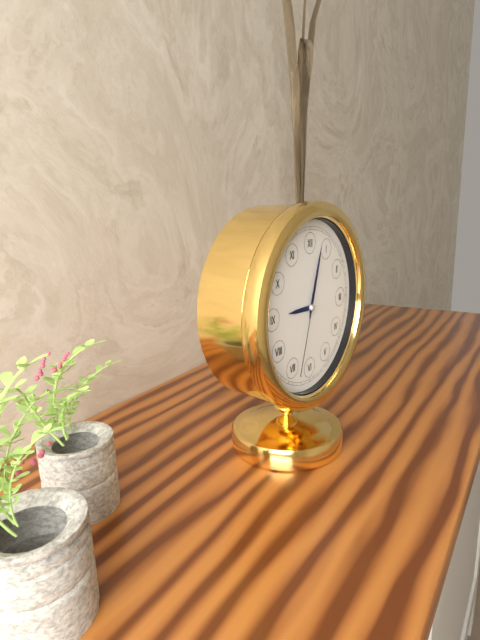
9:03:33
